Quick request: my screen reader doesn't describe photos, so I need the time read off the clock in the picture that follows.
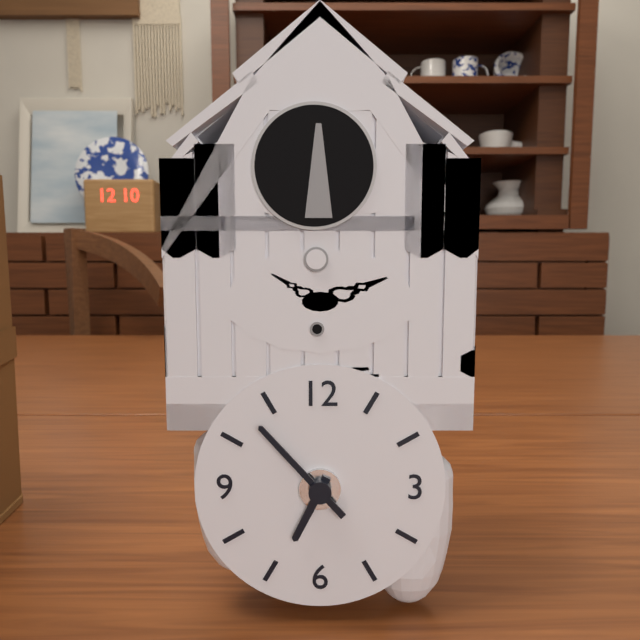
6:53
